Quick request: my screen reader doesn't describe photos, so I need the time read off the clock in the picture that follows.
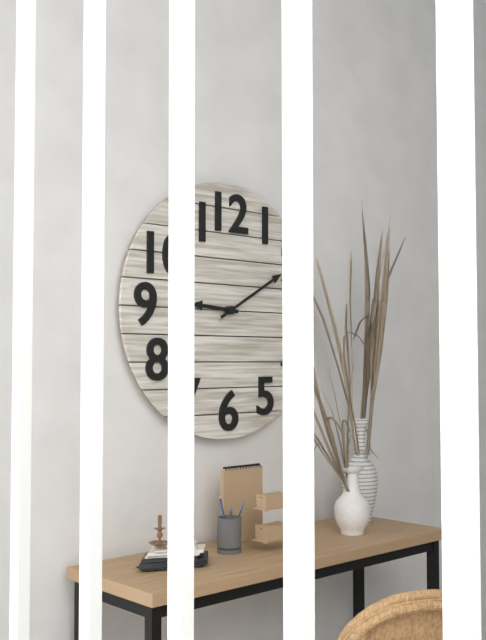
9:10
